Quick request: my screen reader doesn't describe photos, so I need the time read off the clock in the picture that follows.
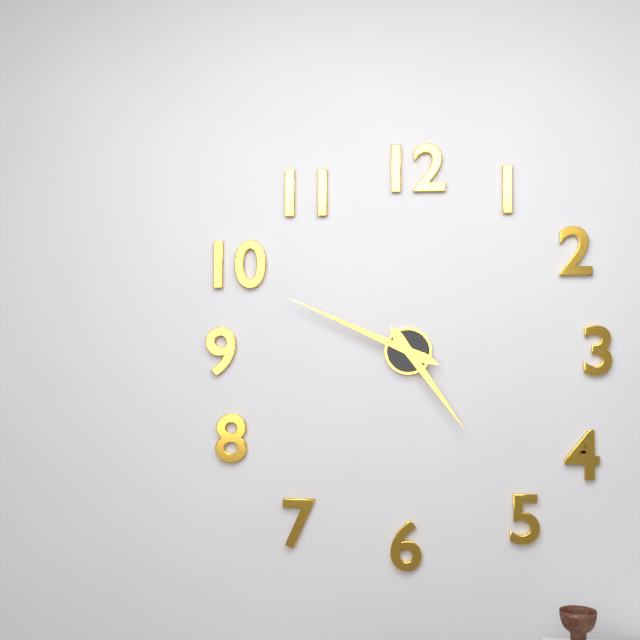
4:49
